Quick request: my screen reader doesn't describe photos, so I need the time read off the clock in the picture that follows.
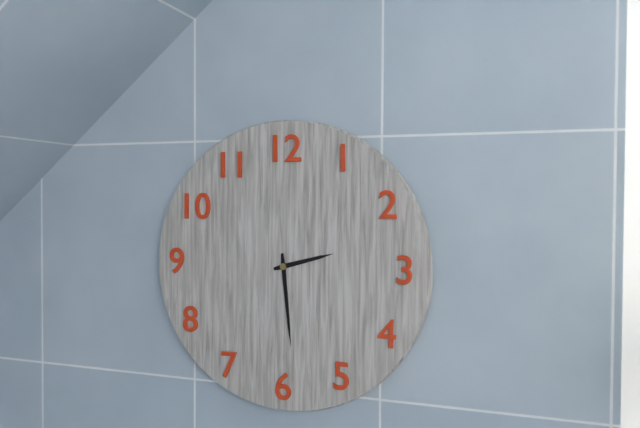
2:29
